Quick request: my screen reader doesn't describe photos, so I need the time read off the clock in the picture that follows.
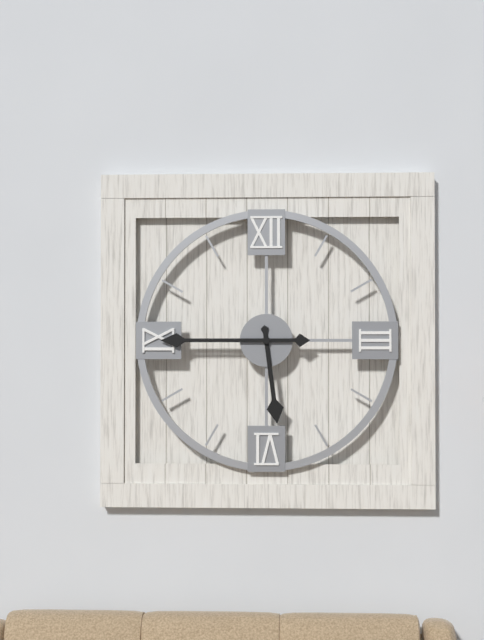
5:45
